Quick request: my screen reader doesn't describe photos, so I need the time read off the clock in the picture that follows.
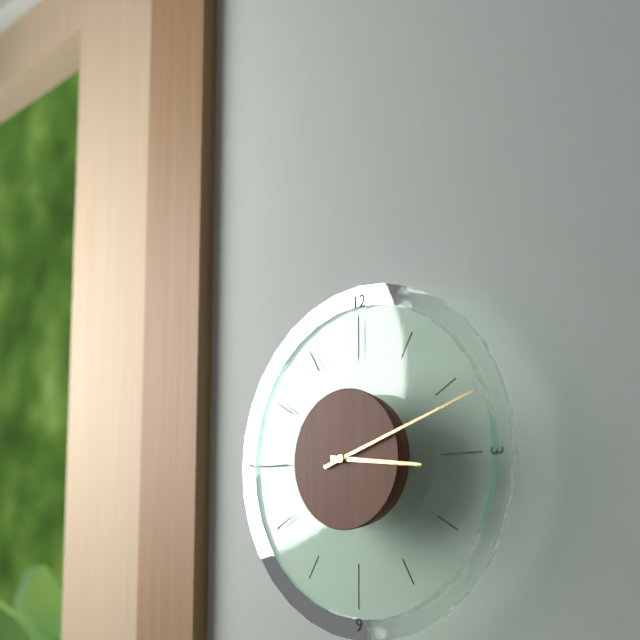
3:12
